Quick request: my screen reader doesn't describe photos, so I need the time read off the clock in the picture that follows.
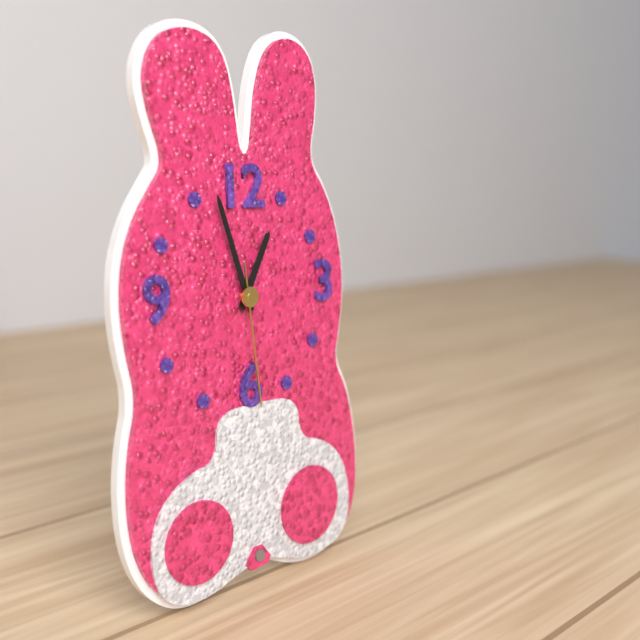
12:57:29
